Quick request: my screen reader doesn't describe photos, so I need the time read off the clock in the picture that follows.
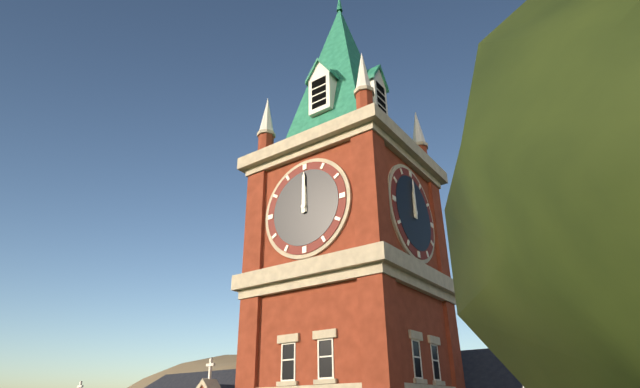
12:00
